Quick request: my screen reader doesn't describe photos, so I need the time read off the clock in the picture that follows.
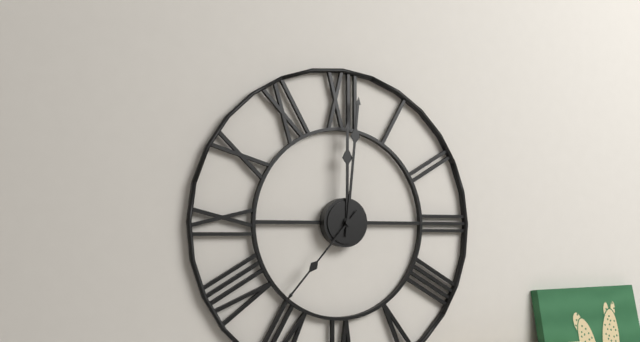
12:01:37
